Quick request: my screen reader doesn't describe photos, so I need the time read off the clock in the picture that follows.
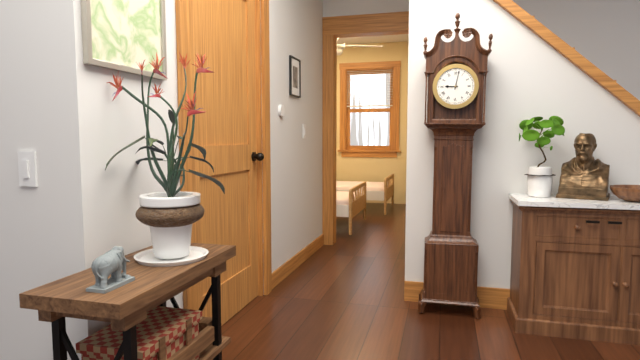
9:02
